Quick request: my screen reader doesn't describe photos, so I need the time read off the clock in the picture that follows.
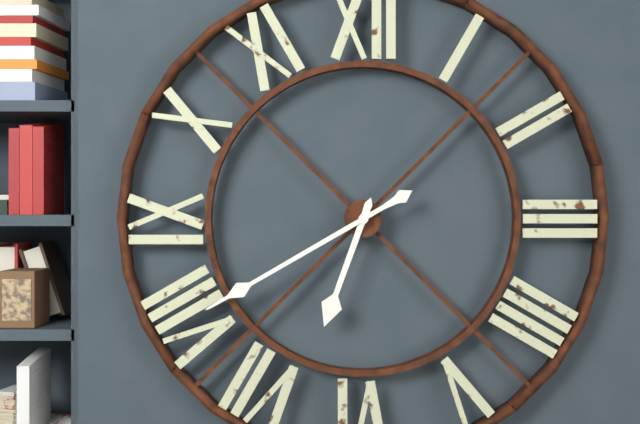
6:40
